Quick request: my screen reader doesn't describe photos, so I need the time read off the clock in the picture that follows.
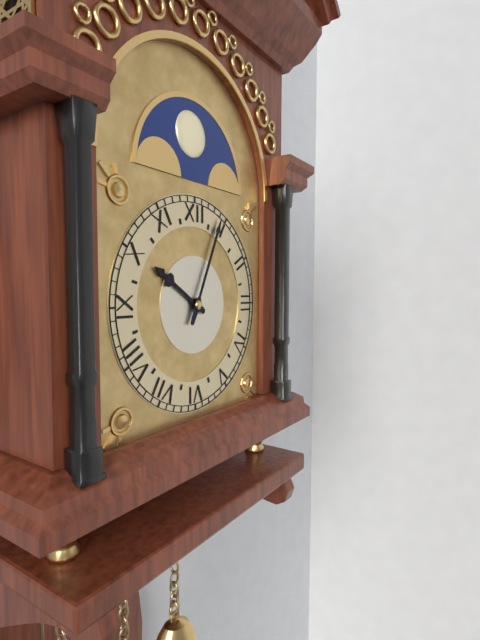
10:04
